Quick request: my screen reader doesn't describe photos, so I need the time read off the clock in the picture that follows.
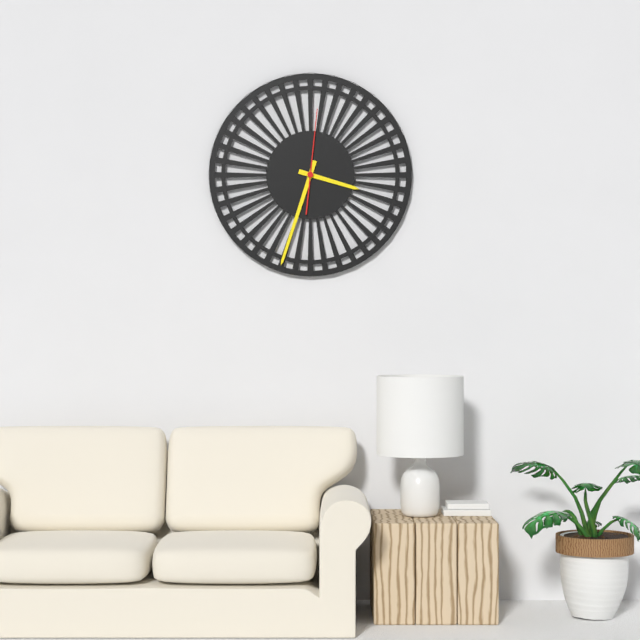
3:33:01
